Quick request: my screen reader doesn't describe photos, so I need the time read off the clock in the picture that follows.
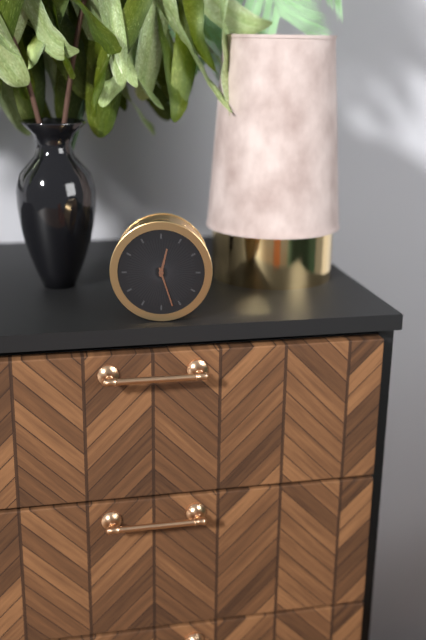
12:27
